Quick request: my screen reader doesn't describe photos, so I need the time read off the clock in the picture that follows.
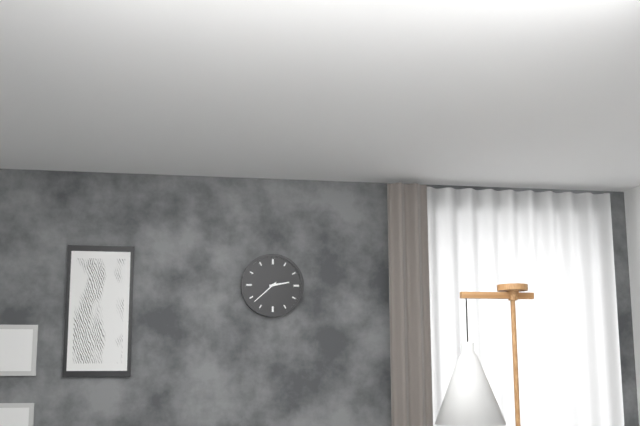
2:38
